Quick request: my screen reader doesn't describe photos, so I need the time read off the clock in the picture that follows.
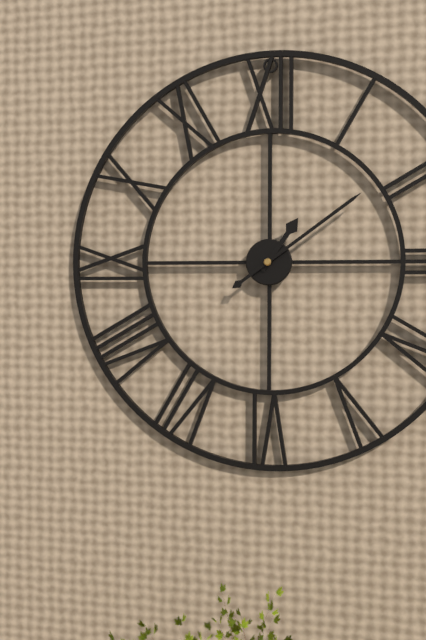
1:09
